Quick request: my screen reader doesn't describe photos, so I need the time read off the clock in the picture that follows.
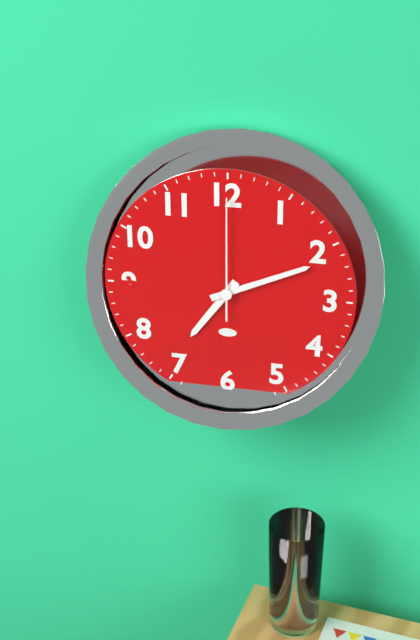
7:11:00
